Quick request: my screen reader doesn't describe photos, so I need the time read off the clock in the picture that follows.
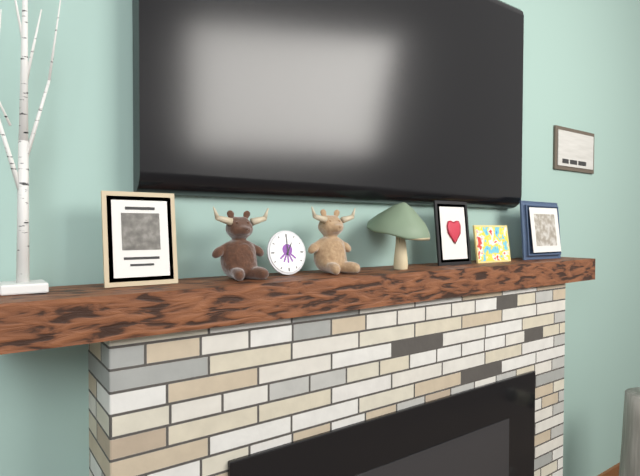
1:00
